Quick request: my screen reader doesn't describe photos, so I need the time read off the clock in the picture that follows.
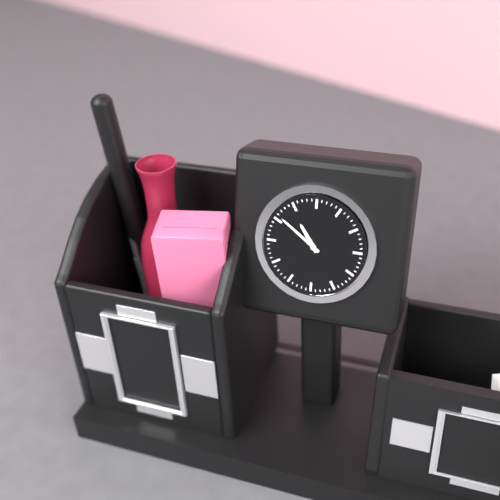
10:51
